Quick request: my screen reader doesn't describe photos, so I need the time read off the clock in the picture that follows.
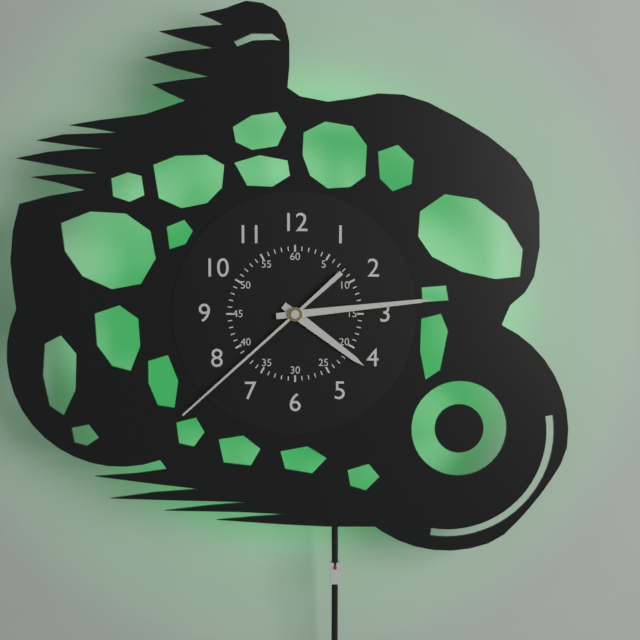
4:14:38
